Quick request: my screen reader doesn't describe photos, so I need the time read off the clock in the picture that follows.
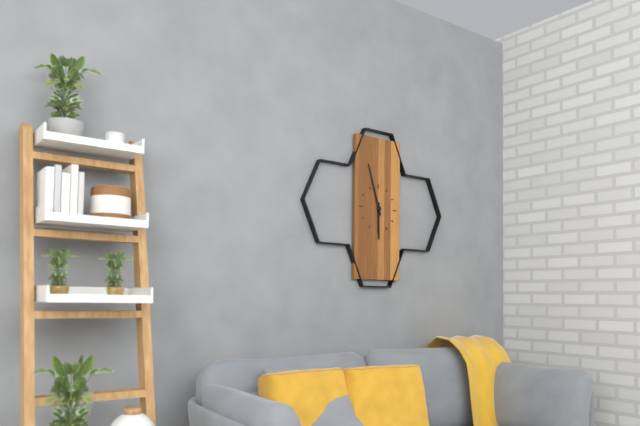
5:57
